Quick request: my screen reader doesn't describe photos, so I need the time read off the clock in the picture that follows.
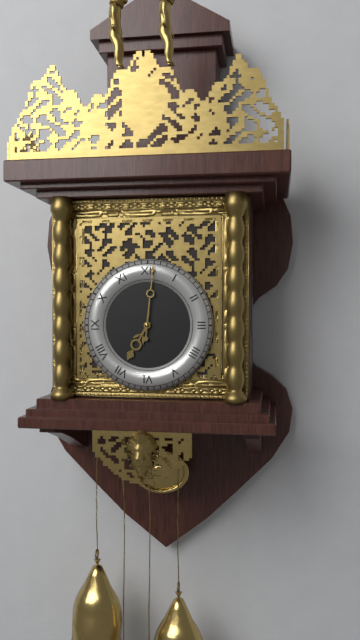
7:01
